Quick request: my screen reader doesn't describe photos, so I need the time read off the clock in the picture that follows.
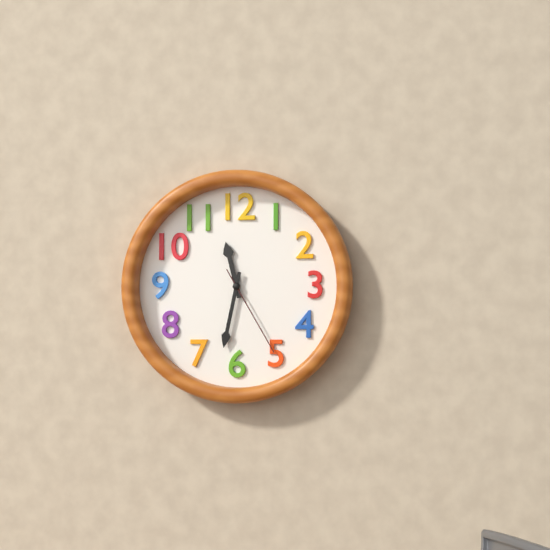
11:32:25
